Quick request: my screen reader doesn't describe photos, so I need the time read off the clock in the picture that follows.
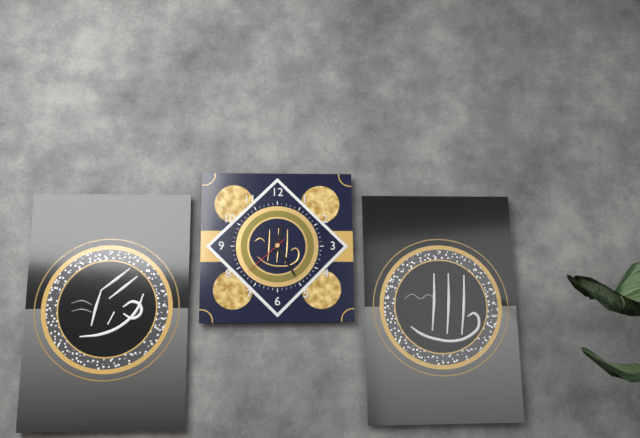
12:25
